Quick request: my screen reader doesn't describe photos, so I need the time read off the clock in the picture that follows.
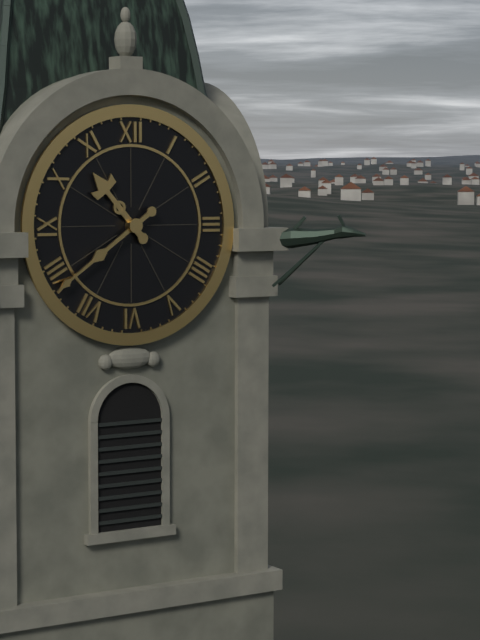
10:39
